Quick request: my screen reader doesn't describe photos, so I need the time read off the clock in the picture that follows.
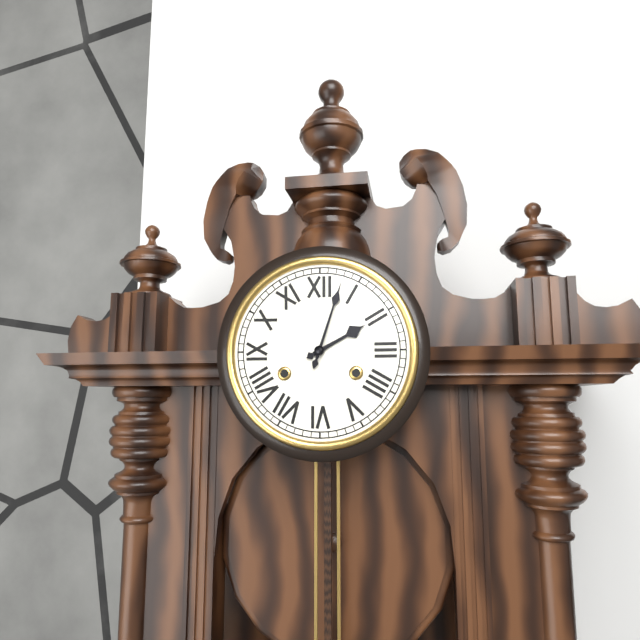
2:03
